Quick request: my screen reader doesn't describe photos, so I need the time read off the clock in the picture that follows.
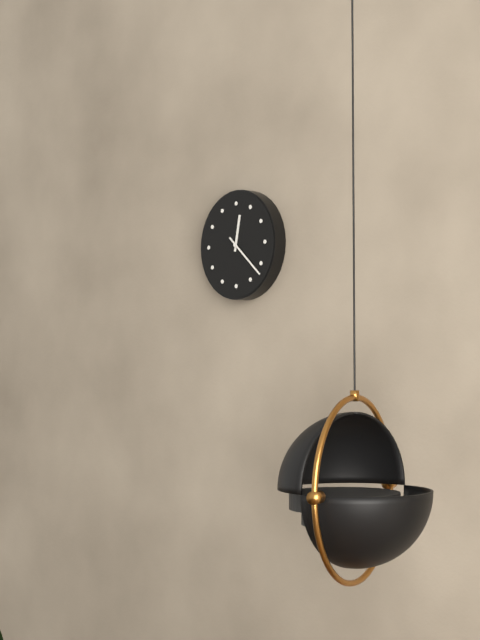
12:22
